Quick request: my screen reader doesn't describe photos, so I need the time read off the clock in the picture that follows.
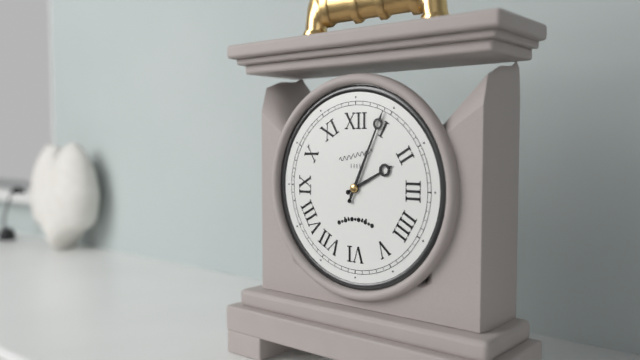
2:04
